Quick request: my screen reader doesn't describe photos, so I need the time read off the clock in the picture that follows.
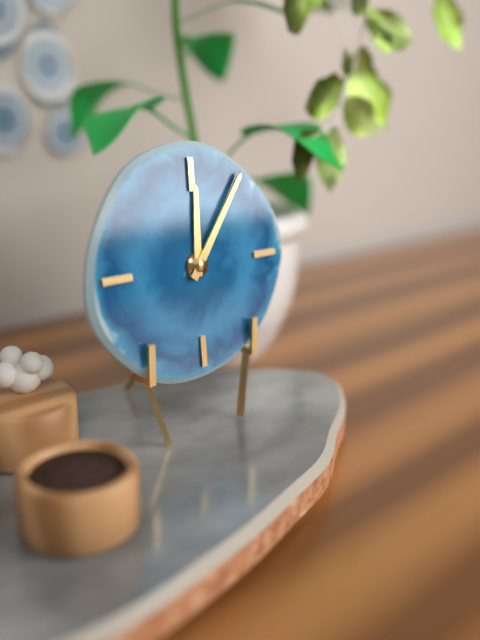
12:06
